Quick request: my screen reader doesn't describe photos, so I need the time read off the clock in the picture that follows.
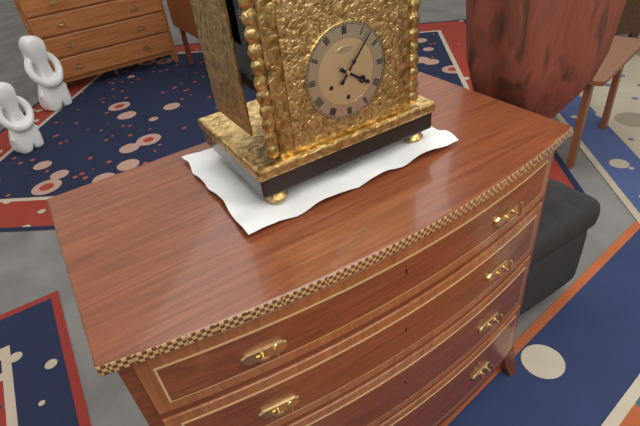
4:07
